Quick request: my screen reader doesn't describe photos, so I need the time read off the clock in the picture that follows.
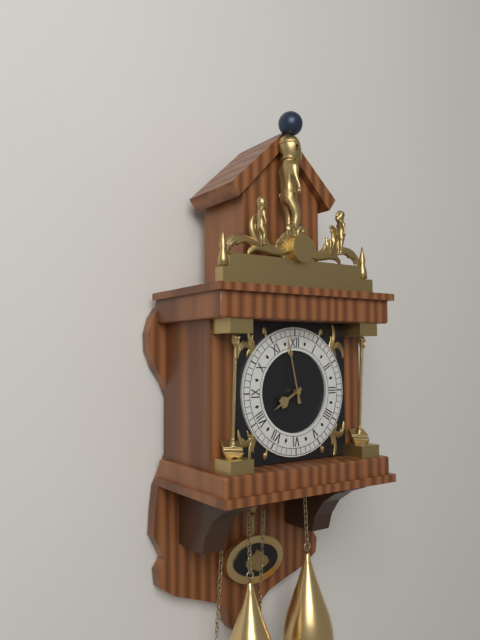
7:58
